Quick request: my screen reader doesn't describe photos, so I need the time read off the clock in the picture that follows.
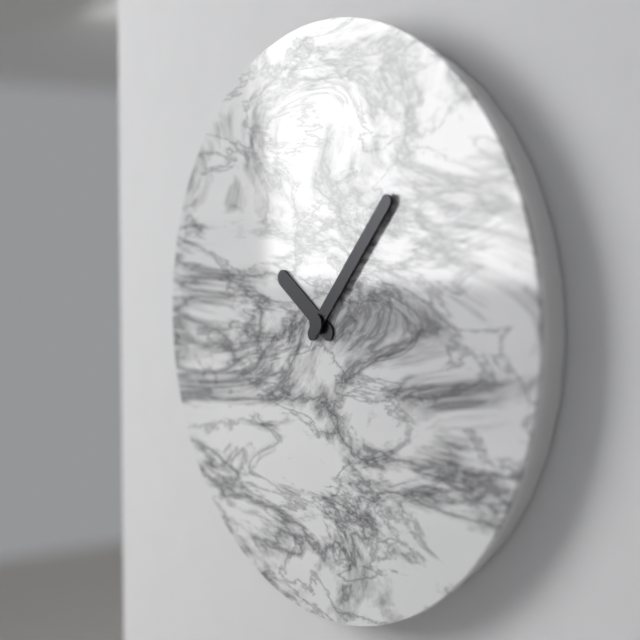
10:07
